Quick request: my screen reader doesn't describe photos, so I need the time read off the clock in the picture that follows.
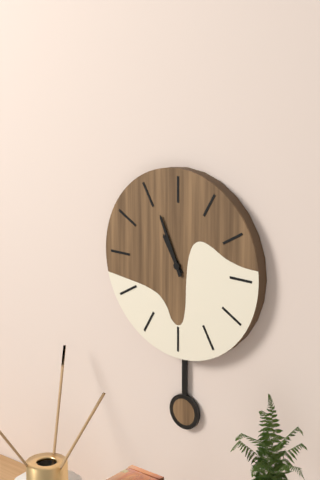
10:56
